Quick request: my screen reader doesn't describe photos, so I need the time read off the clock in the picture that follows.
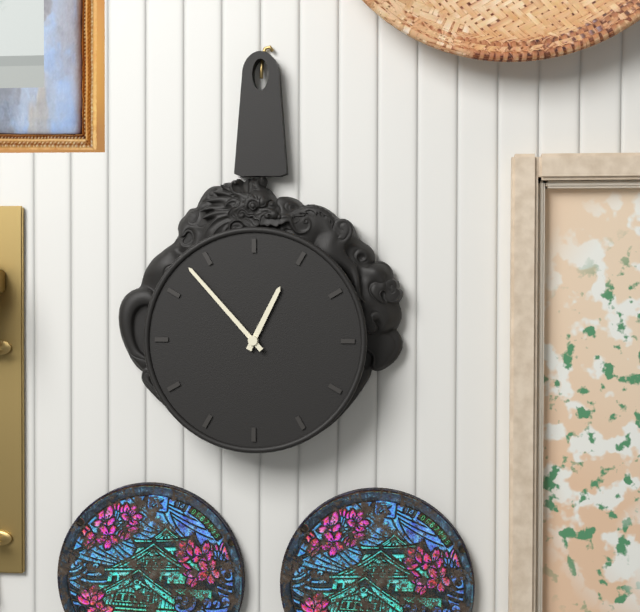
12:53
